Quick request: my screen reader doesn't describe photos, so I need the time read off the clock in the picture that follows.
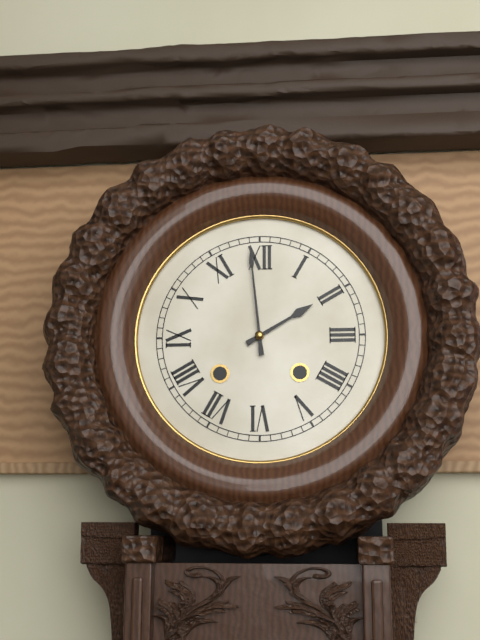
1:59
